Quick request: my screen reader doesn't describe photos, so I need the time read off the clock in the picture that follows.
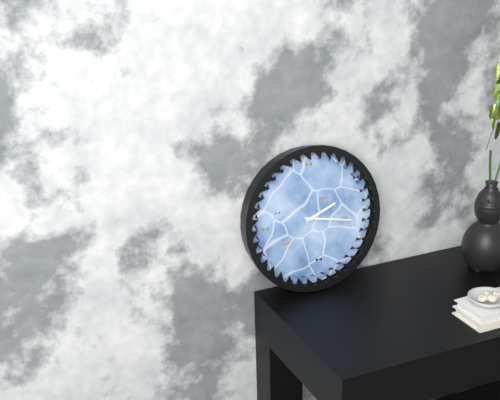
2:17
